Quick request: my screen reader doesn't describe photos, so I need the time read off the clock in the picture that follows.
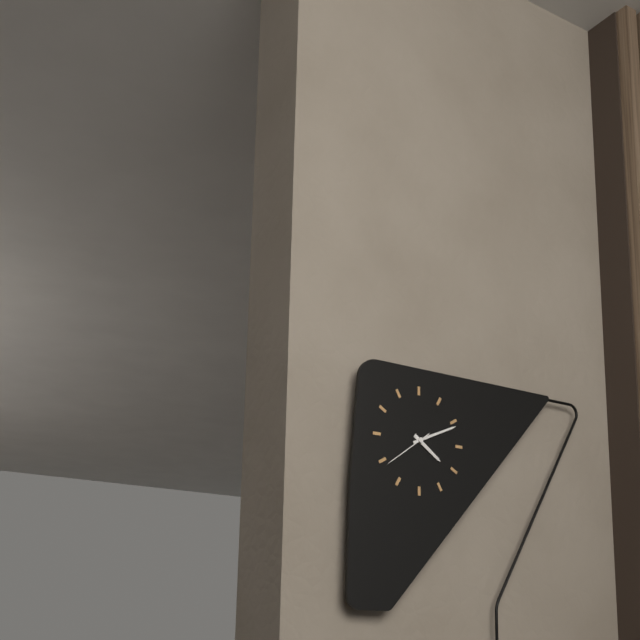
4:11
